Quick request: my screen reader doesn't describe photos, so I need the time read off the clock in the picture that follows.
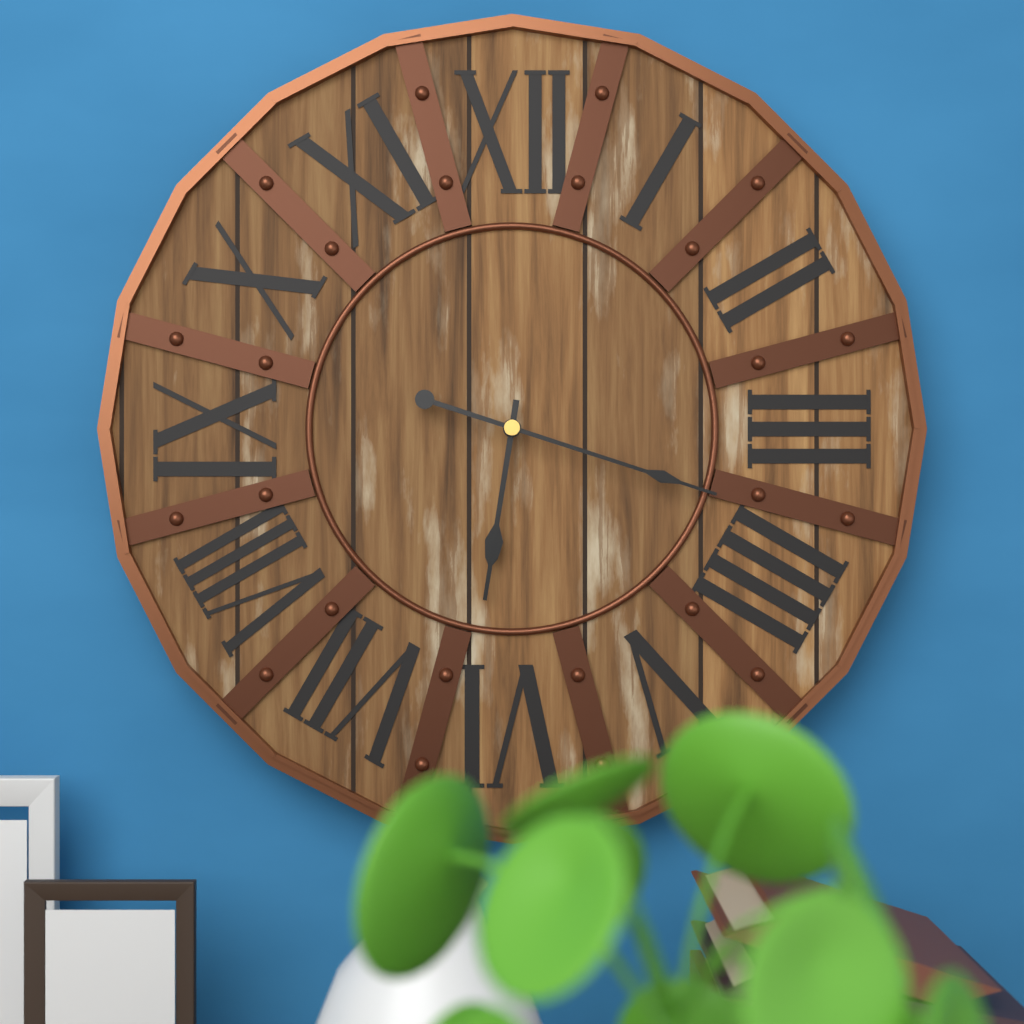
6:18
